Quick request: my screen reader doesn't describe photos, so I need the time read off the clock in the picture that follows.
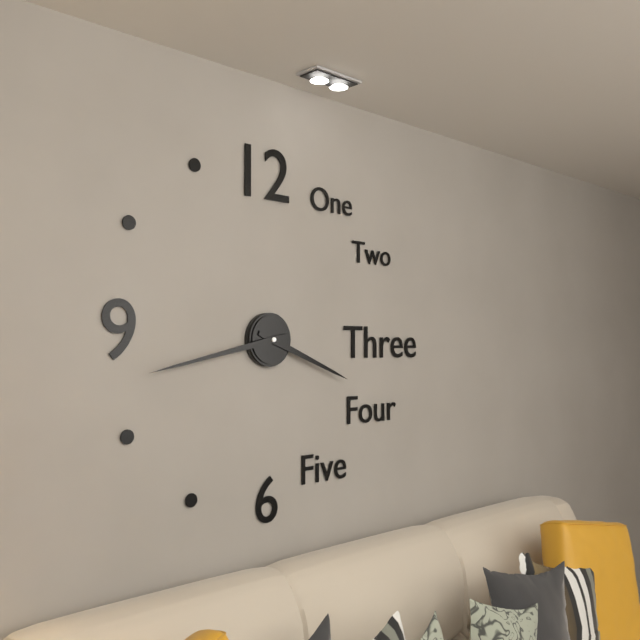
3:43
